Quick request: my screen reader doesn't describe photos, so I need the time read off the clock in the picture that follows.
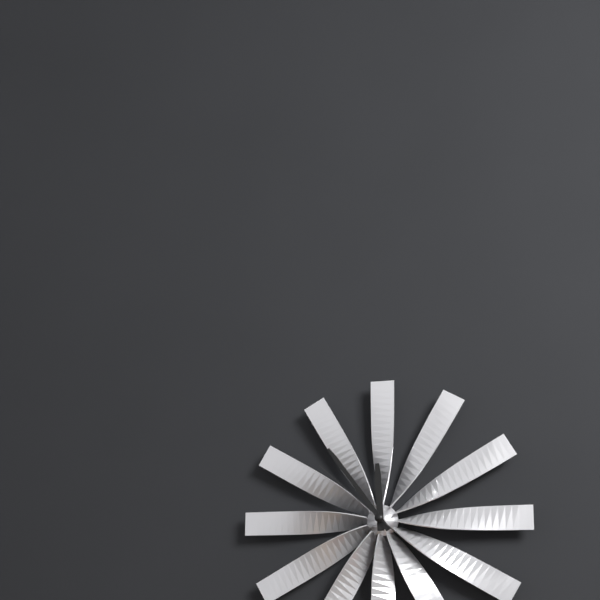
11:54:52
